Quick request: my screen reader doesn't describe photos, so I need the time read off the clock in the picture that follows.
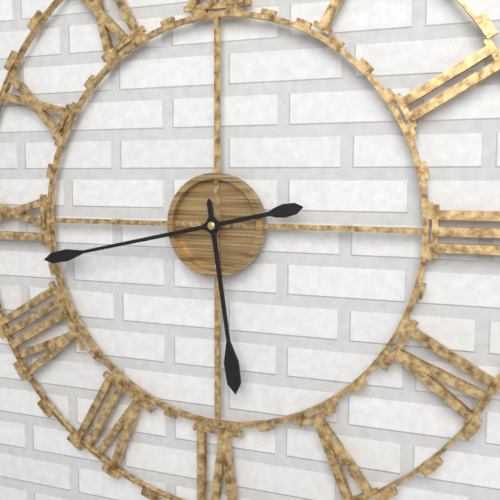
5:43
